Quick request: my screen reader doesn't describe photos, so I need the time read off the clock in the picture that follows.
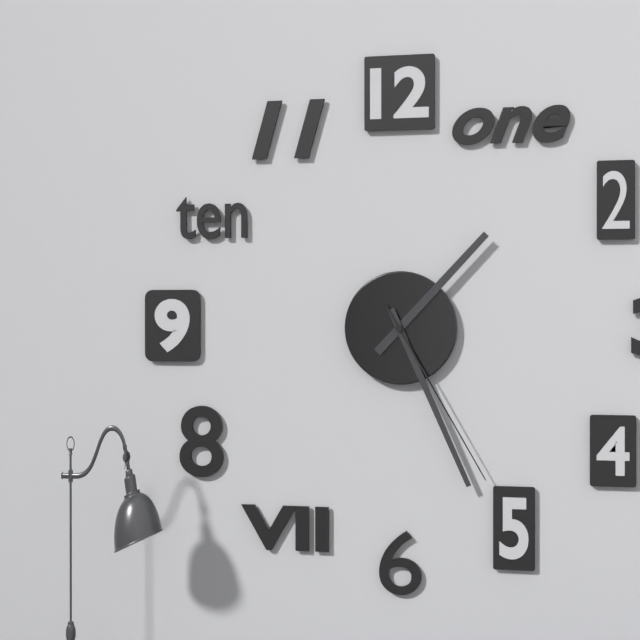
1:26:25
